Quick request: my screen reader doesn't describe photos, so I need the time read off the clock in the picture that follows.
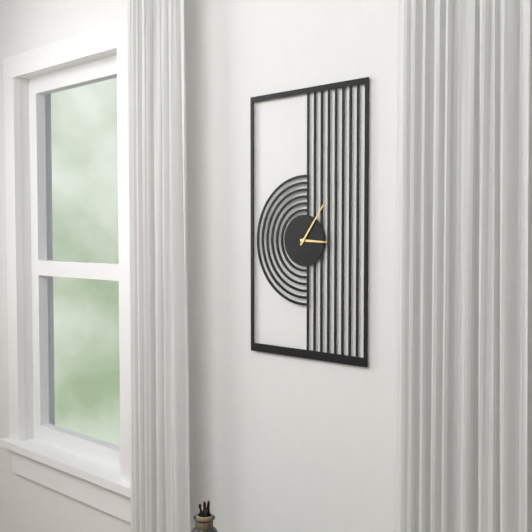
3:06
